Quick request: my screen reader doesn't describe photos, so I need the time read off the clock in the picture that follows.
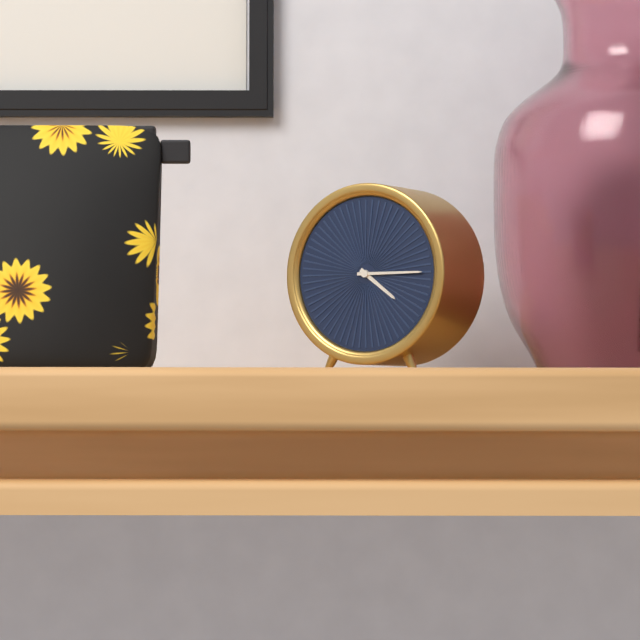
4:15
